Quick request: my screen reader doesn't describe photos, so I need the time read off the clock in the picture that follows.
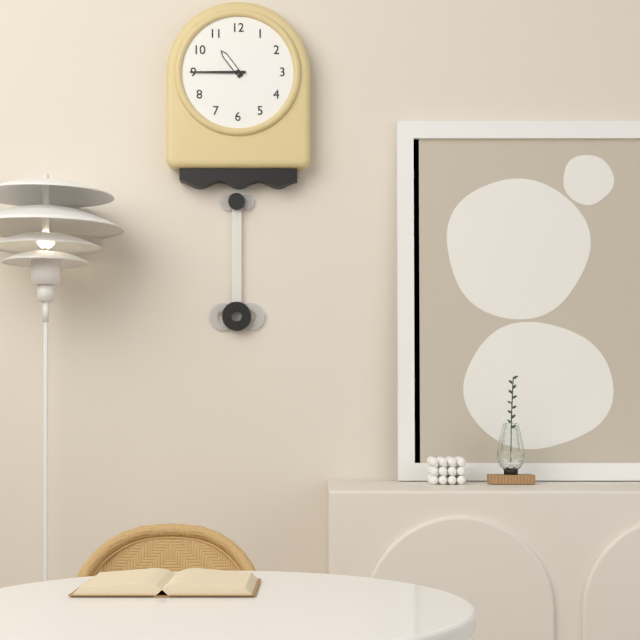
10:45
